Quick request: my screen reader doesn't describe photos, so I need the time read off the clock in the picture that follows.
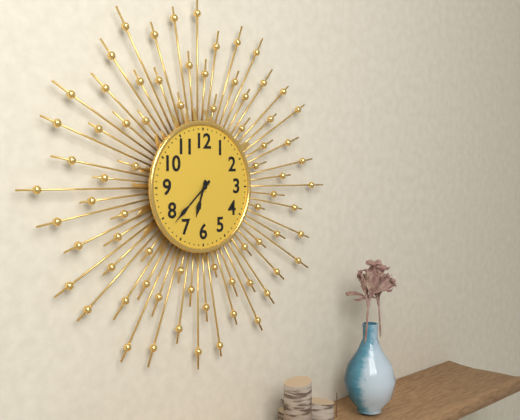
6:38
